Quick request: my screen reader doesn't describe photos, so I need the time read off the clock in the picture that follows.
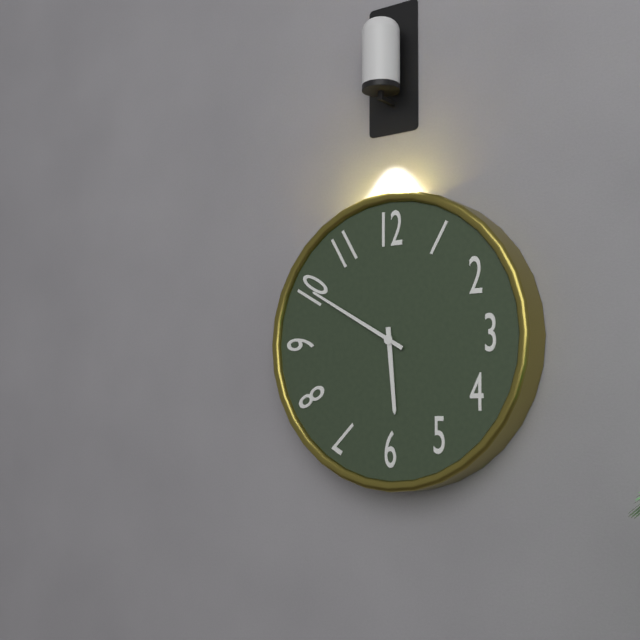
5:50
